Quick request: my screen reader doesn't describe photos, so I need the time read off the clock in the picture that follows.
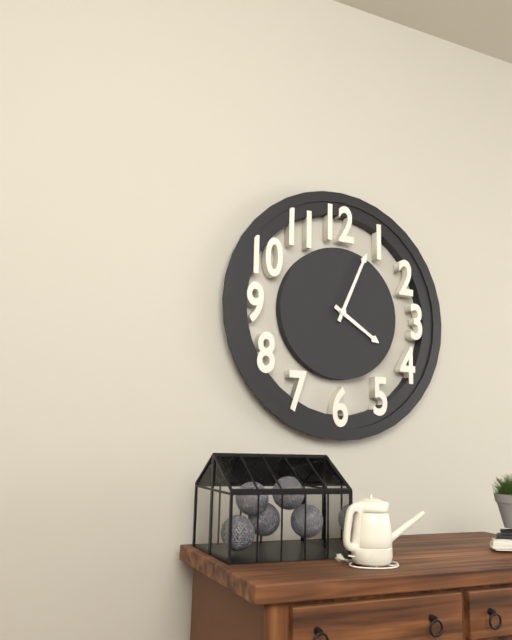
4:04
